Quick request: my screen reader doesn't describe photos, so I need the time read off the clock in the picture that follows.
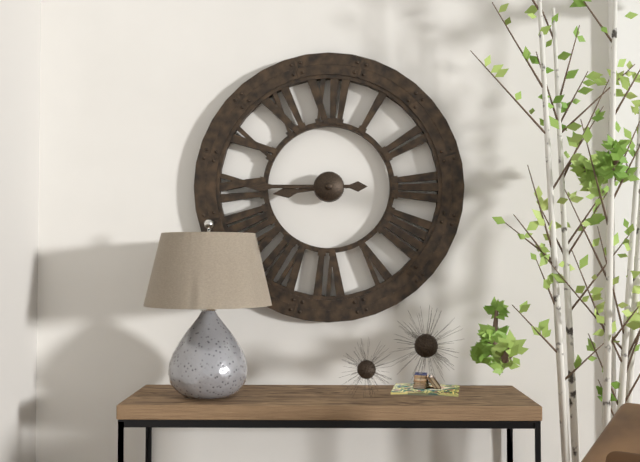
8:45
